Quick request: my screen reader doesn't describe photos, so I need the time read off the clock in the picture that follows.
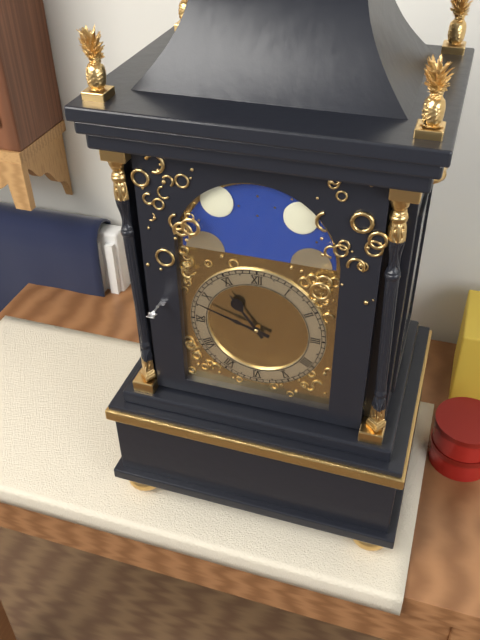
10:48
